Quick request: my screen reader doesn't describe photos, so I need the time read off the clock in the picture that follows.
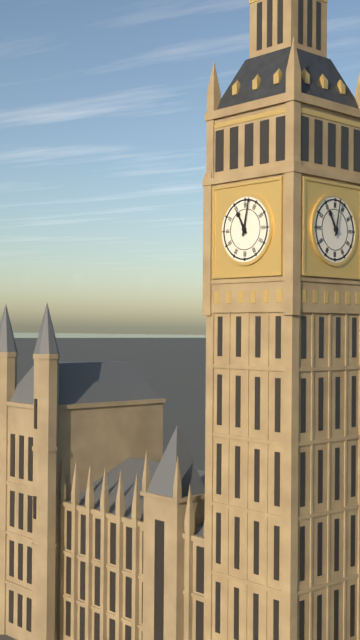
11:02
